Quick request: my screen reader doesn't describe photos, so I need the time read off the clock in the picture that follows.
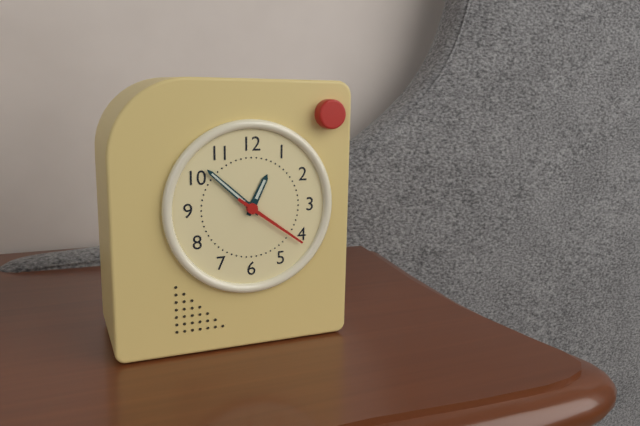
12:52:21
